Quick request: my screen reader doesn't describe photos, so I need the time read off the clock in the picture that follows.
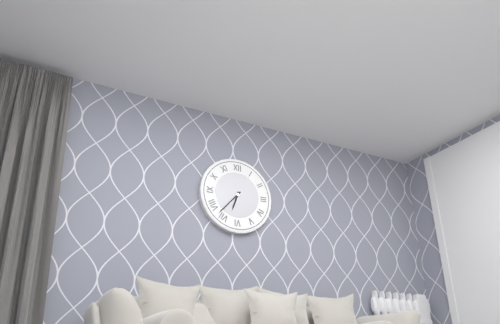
6:37
